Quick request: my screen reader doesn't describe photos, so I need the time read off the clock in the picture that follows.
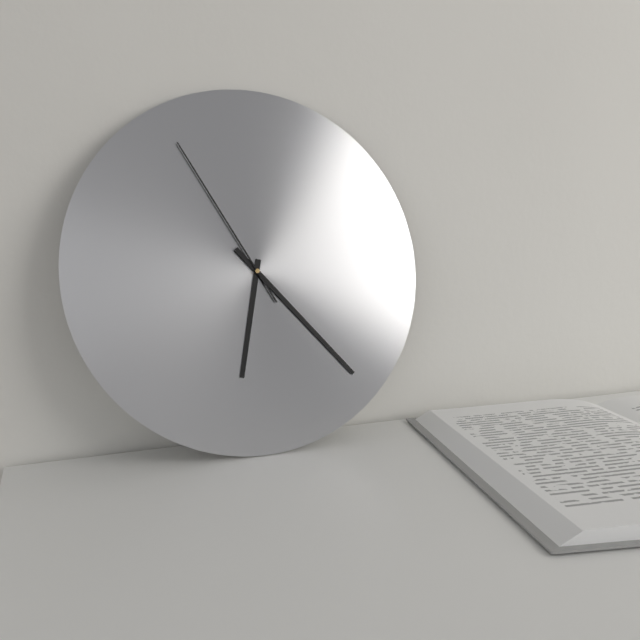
6:23:55
